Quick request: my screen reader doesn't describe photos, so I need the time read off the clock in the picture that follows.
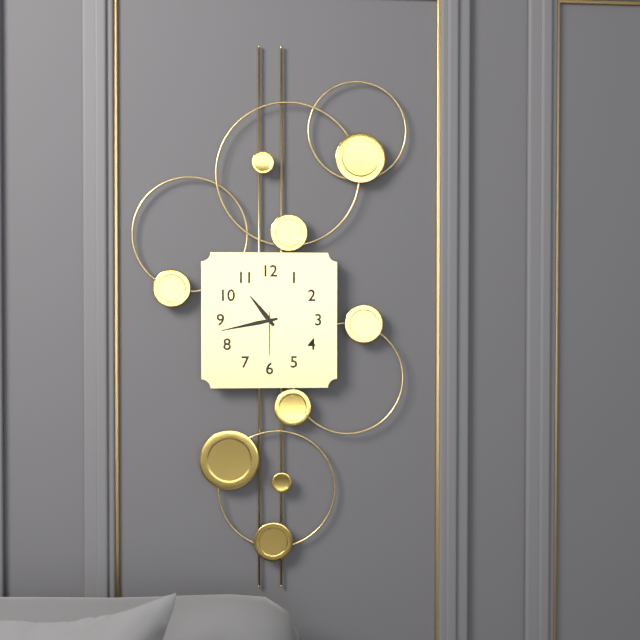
10:43
